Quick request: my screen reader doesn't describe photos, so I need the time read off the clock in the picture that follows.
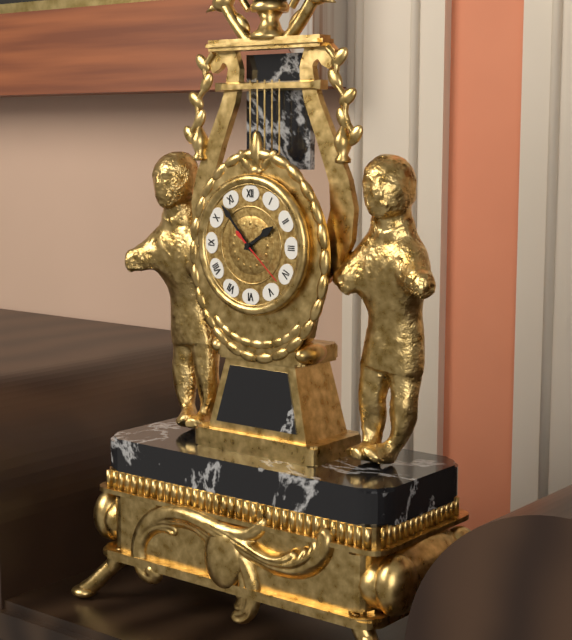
1:53:22
